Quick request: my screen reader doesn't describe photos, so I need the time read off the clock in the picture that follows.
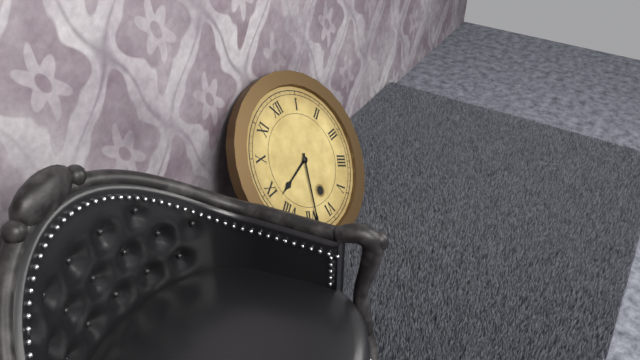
8:34
